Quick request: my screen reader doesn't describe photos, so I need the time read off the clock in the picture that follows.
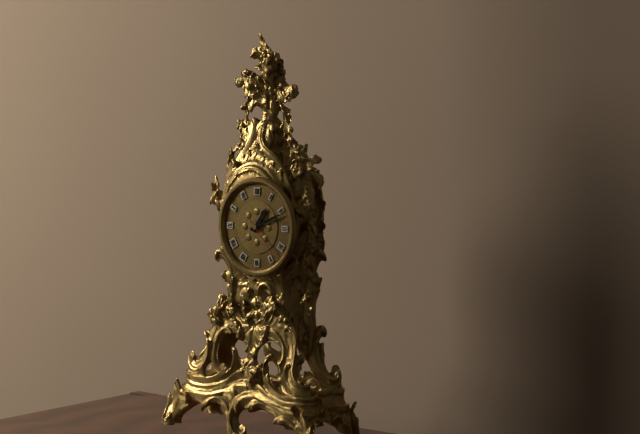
1:11
